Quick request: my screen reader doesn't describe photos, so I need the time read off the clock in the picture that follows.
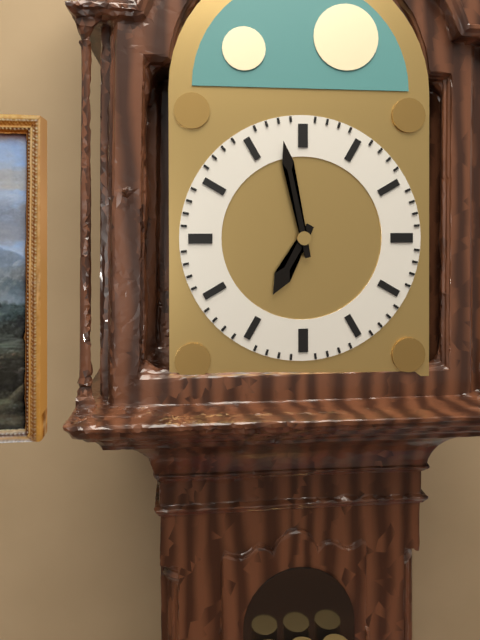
6:58
